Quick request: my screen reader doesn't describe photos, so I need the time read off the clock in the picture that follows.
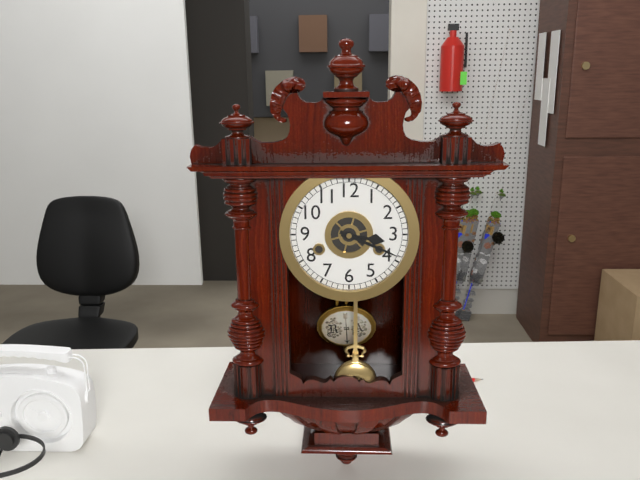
3:19
